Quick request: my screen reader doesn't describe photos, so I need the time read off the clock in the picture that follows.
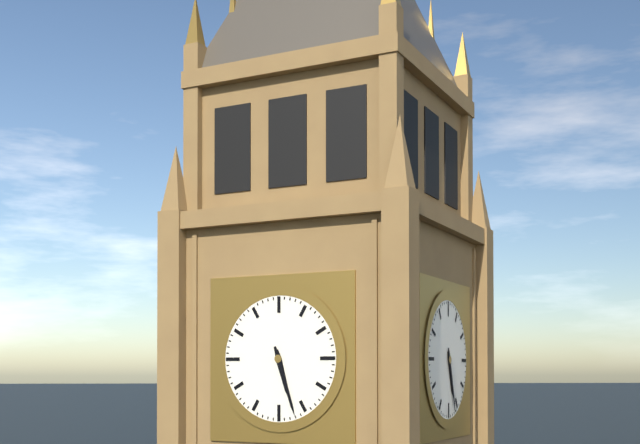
5:27
